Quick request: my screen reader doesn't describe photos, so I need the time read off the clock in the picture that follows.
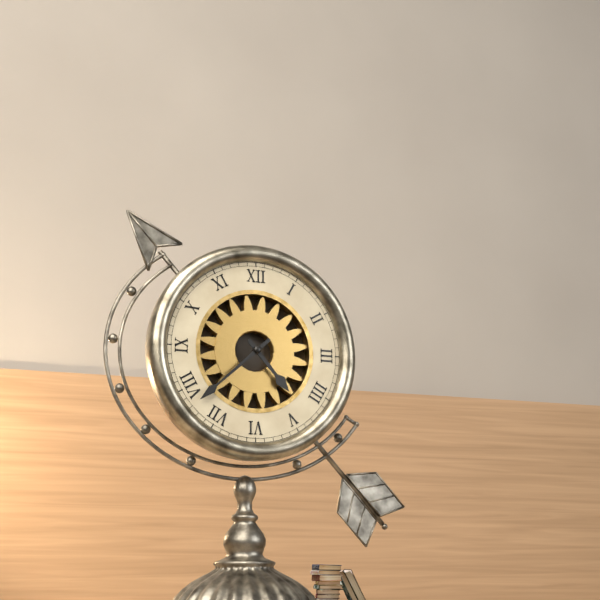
4:38
